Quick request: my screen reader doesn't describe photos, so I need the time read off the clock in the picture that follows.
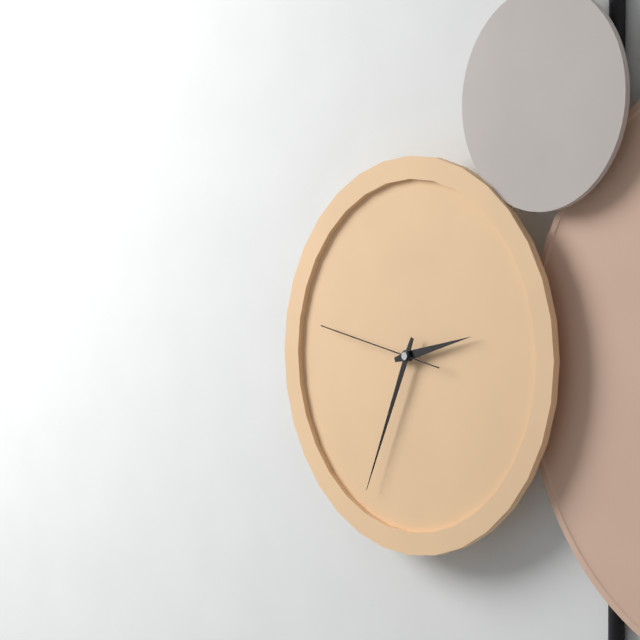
2:34:47
